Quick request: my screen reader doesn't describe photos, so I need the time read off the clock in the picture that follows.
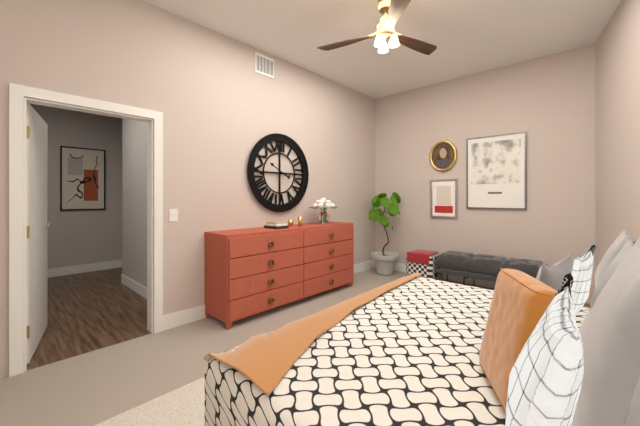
3:50
